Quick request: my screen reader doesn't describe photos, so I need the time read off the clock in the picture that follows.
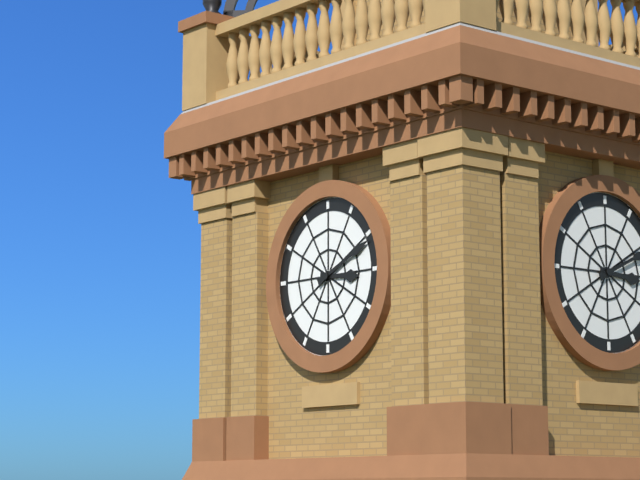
3:11
